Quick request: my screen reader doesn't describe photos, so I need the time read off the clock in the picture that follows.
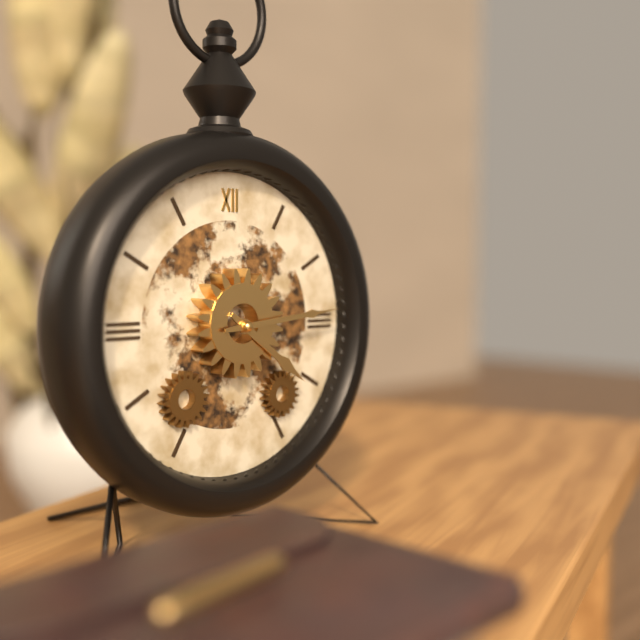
4:14
